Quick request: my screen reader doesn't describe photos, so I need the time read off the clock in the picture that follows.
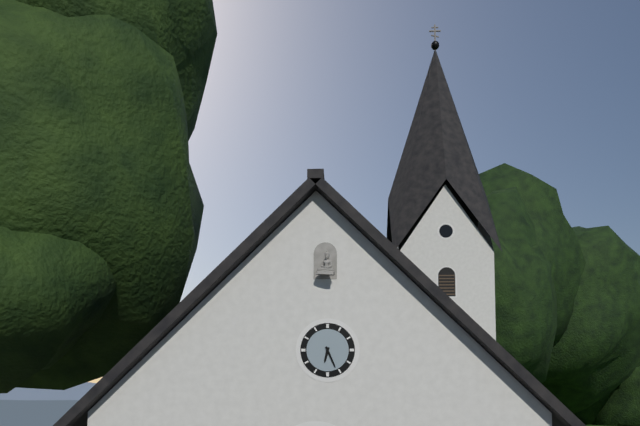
6:26
